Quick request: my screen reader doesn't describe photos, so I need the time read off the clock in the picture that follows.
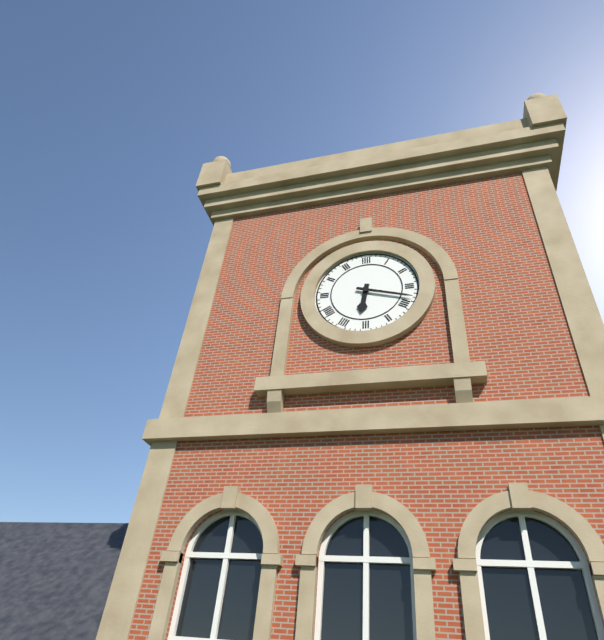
6:18
